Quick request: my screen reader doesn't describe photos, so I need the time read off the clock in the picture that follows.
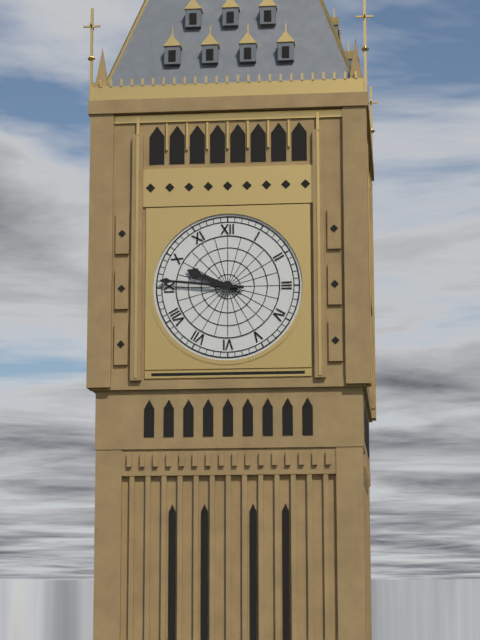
9:46
